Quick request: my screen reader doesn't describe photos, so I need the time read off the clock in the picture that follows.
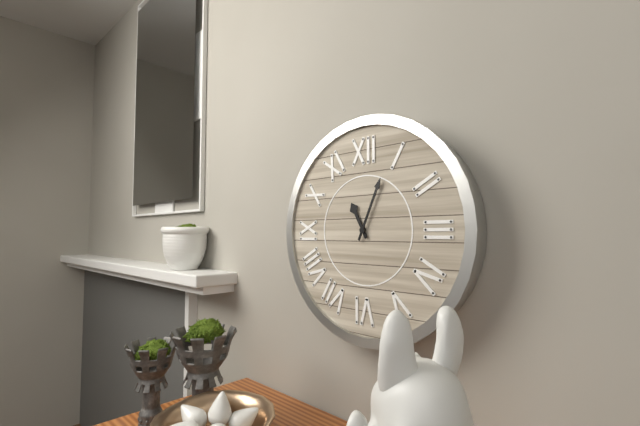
11:04
